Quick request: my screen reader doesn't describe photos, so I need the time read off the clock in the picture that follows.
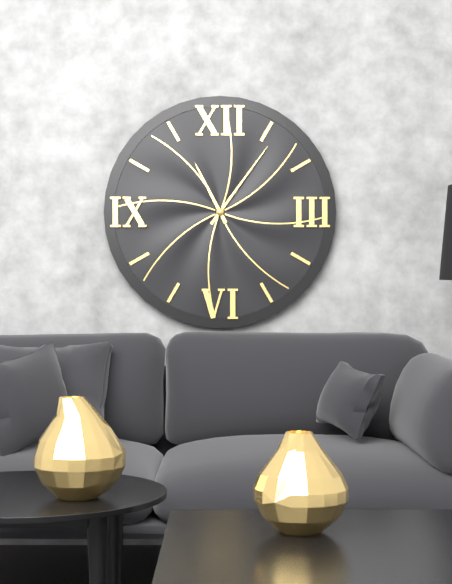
11:06
